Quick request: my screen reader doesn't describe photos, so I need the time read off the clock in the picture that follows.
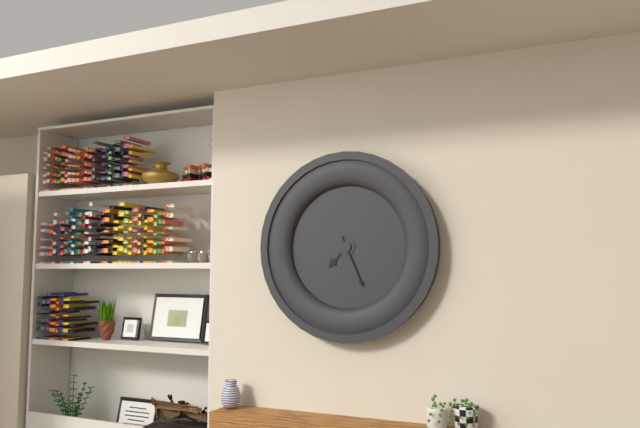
7:26
